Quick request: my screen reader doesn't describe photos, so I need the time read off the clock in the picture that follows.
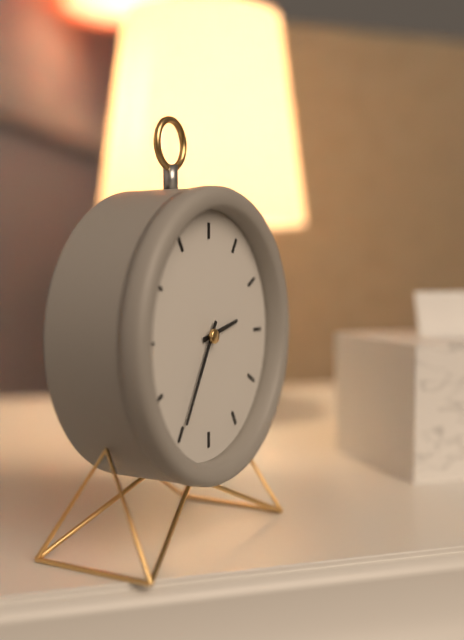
2:35
